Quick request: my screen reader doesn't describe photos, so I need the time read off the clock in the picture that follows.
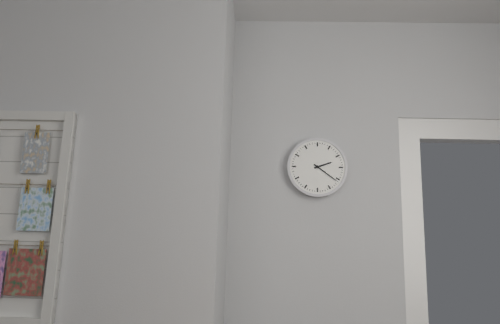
2:21
